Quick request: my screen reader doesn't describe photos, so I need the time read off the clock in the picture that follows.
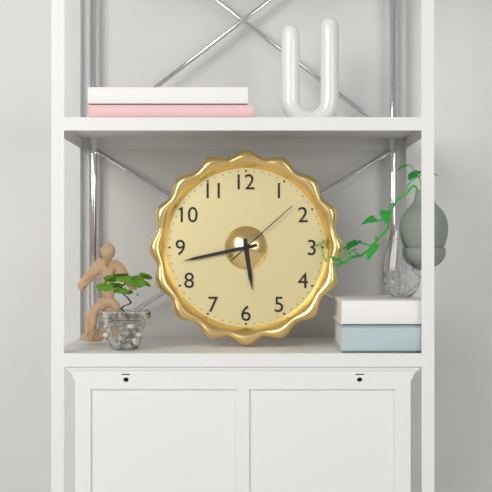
5:43:08
